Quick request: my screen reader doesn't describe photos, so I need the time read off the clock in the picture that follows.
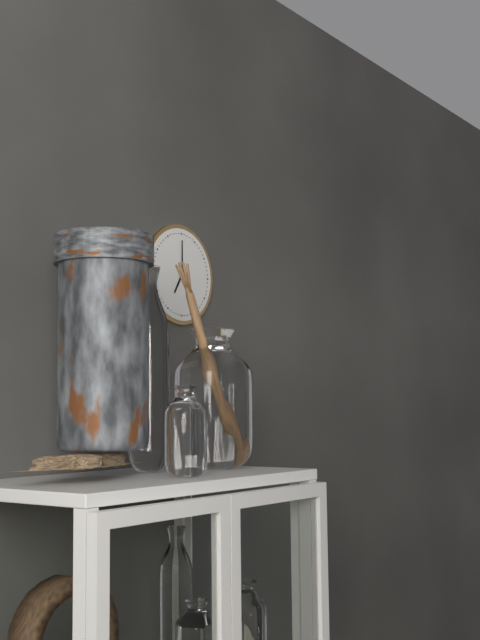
7:00
